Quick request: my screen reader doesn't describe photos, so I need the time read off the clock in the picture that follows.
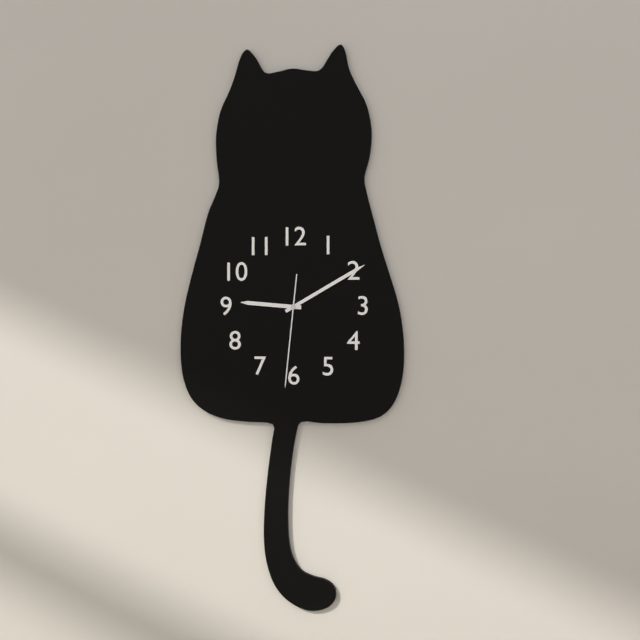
9:10:31
